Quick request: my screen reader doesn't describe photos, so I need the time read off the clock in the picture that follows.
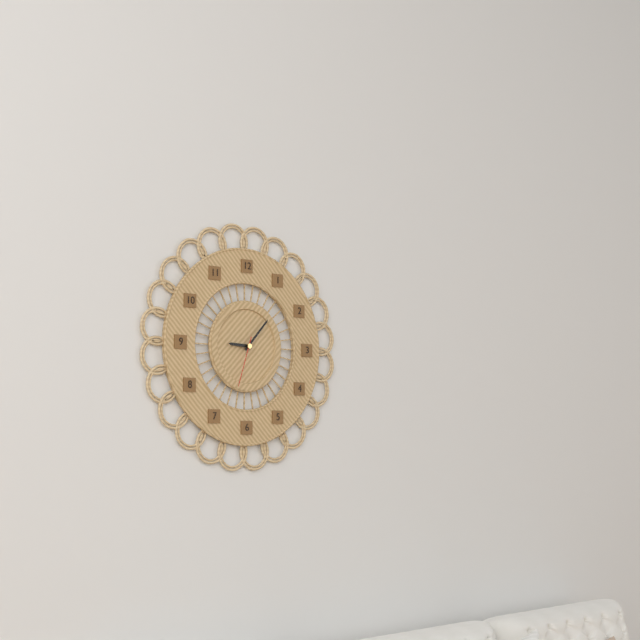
9:07:33
